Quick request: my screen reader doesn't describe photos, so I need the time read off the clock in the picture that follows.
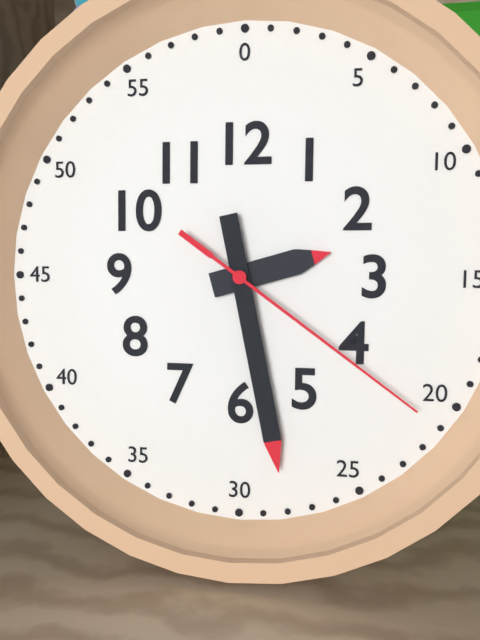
2:28:21
